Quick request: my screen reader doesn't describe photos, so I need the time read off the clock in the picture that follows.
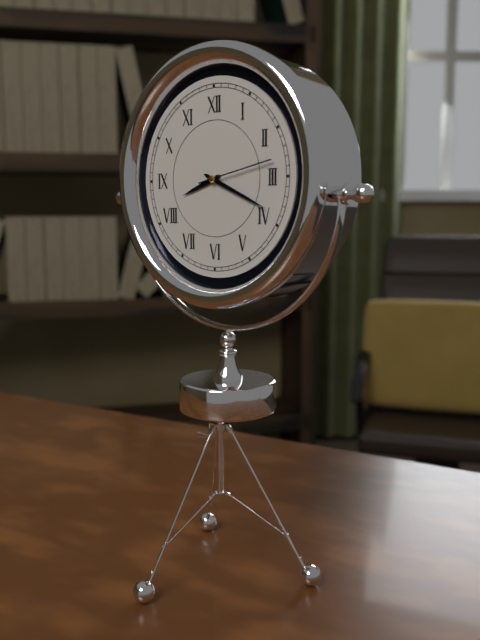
8:19:13
